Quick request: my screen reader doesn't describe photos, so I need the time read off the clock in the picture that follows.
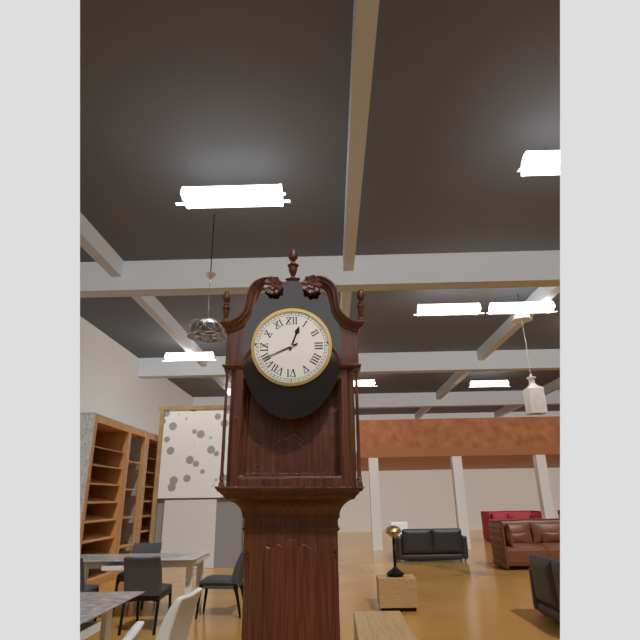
12:41
